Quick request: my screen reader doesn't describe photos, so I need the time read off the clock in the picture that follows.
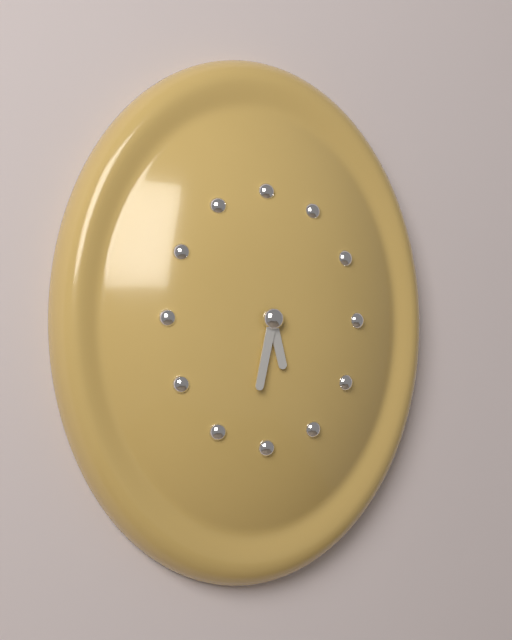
5:32
